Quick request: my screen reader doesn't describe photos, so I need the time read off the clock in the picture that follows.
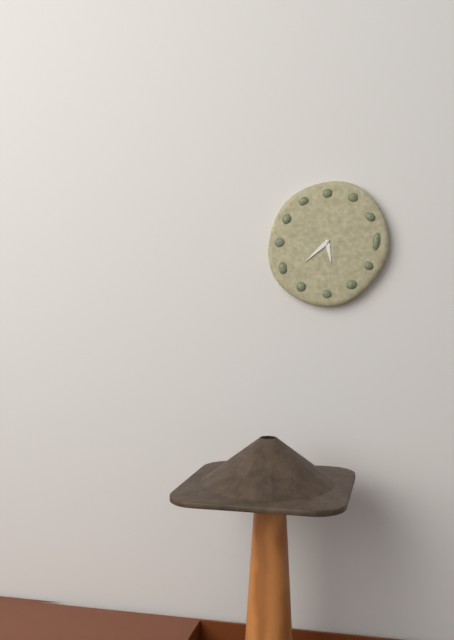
5:38
